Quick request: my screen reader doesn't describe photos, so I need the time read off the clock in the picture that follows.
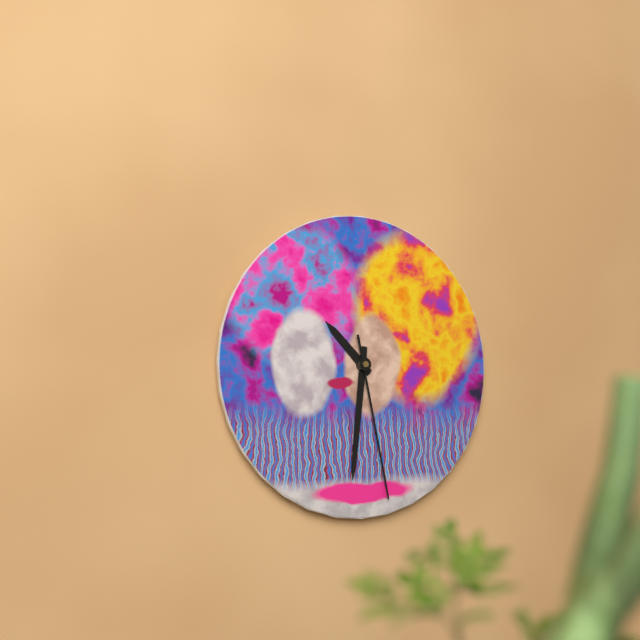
10:31:28
